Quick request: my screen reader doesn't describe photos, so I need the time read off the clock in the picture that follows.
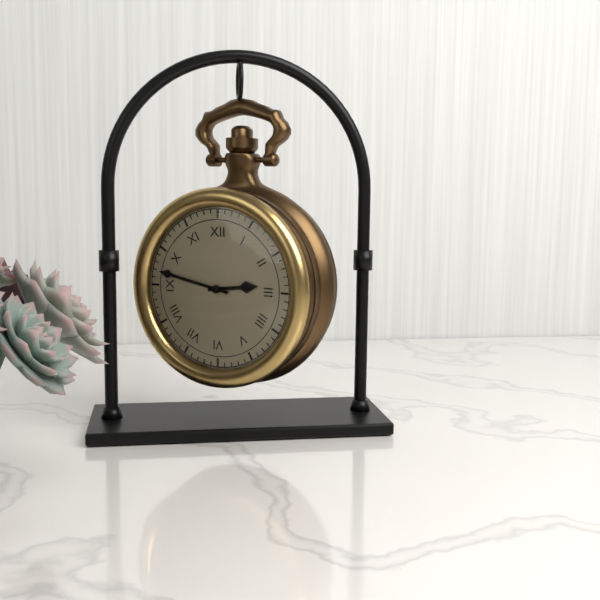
2:47
